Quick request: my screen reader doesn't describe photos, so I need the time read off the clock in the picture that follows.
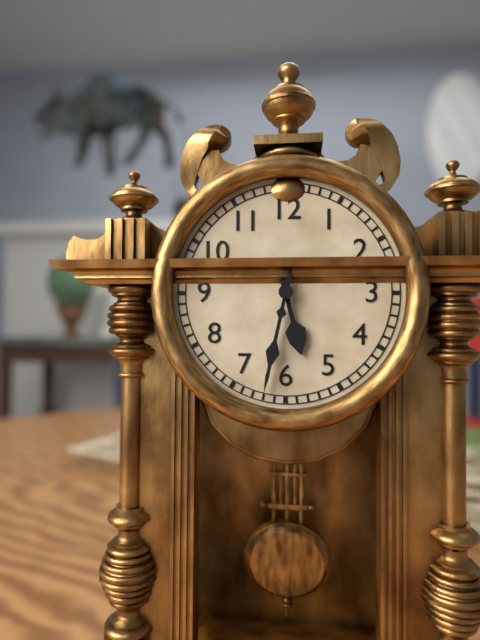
5:32
